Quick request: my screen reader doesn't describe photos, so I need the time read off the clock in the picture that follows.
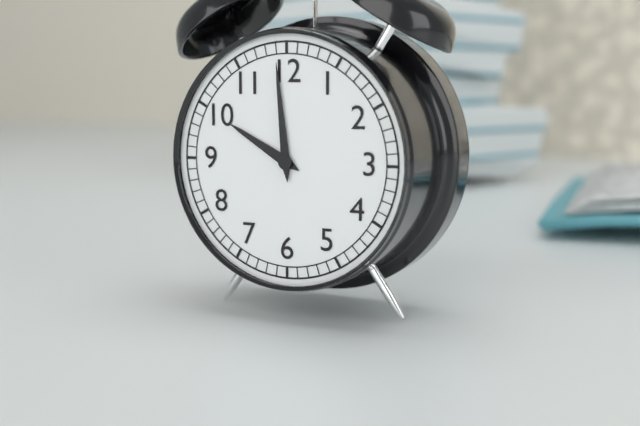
9:59
